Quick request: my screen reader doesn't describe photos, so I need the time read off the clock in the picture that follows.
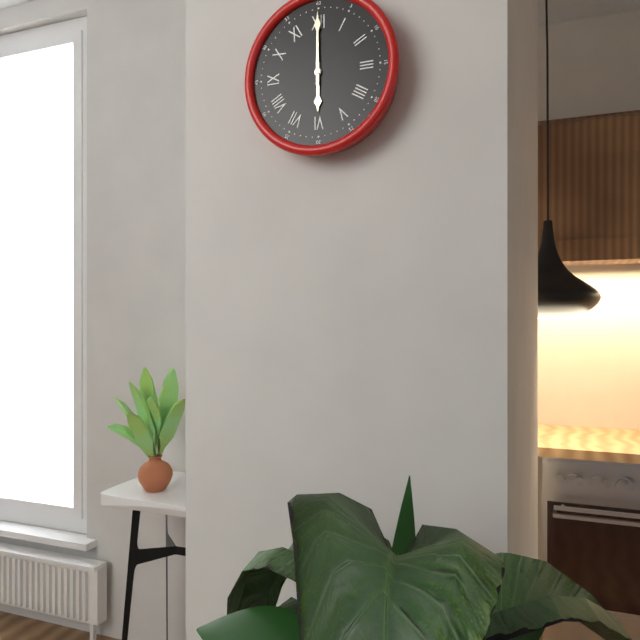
6:00
